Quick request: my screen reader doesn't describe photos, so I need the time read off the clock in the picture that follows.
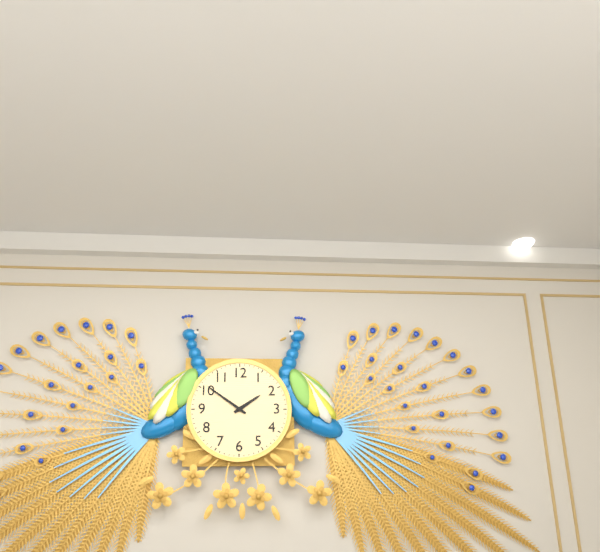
1:51
